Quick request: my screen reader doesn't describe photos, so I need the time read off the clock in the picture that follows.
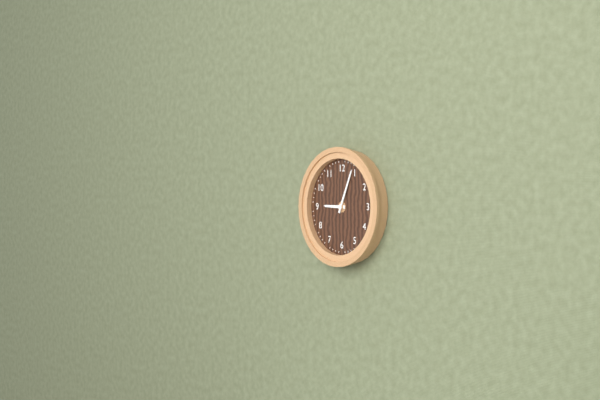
9:04
